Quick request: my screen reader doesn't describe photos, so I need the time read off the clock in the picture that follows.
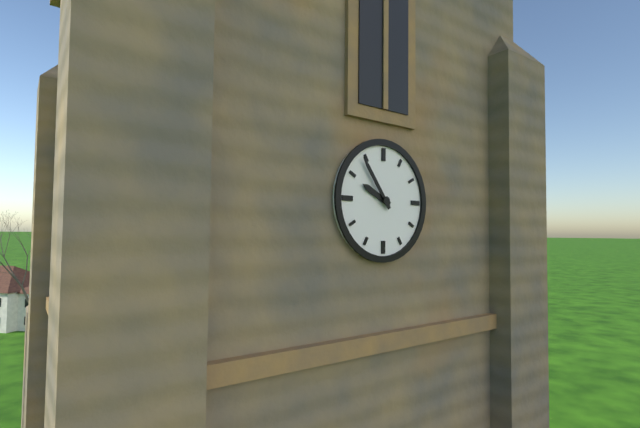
9:54
